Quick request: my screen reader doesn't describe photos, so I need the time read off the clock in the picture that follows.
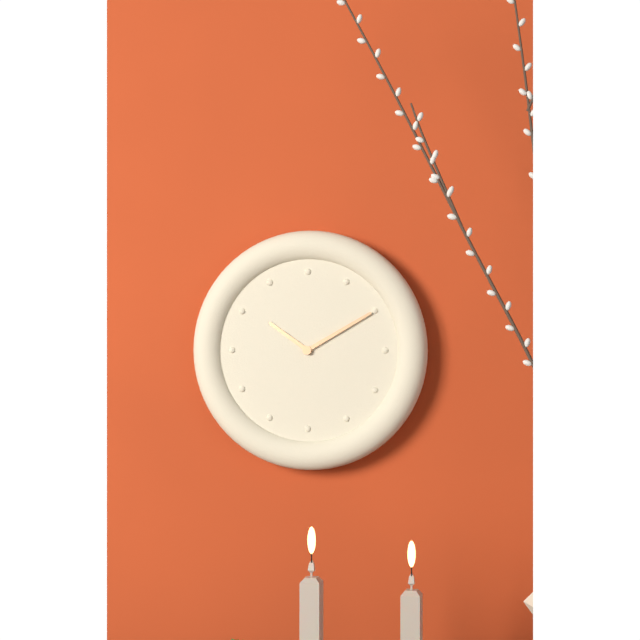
10:10
